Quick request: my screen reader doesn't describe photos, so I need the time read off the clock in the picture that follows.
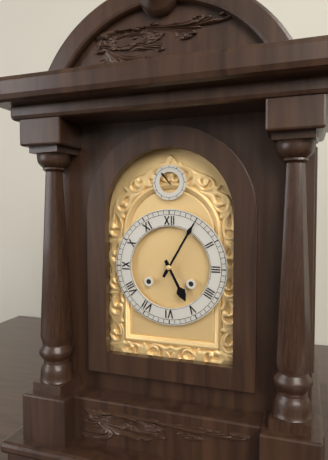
5:05
